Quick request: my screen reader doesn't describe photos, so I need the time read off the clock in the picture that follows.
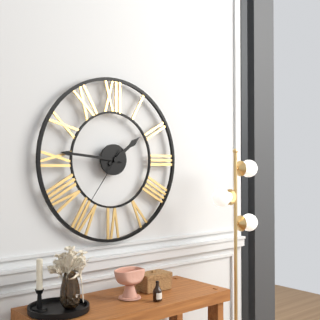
1:46:36
